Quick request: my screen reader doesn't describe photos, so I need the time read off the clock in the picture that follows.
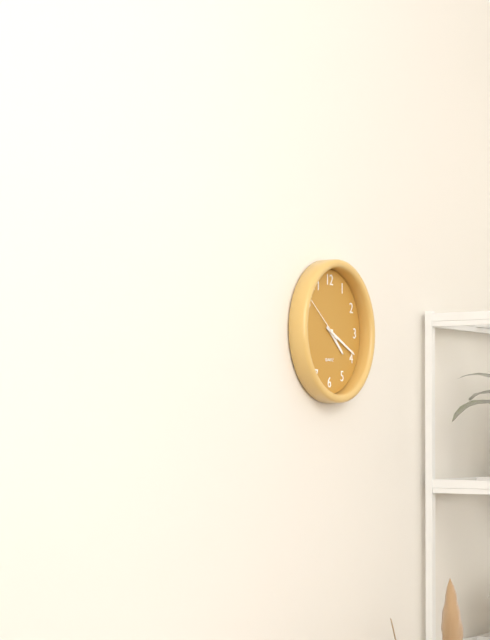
4:19
